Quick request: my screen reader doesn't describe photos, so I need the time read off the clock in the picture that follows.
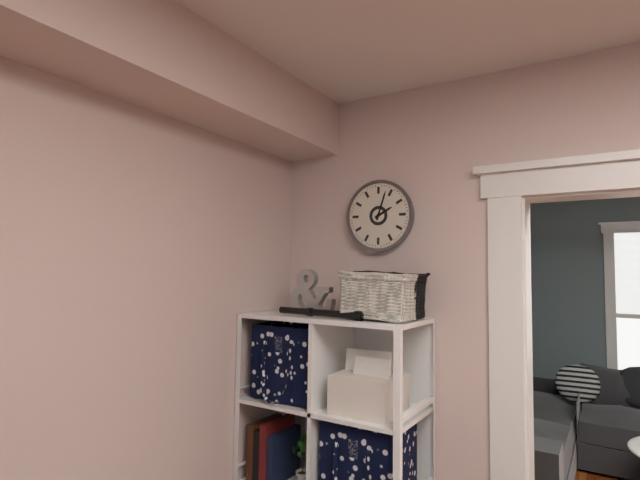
2:03
